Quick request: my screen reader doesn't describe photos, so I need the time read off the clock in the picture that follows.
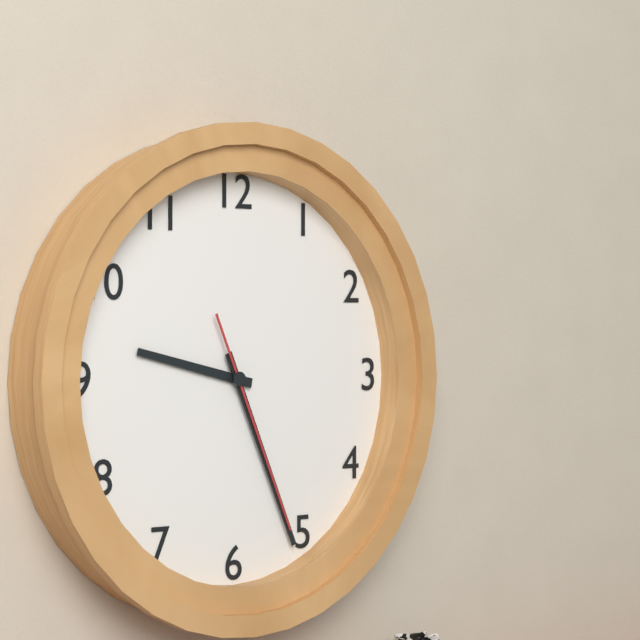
9:26:26
